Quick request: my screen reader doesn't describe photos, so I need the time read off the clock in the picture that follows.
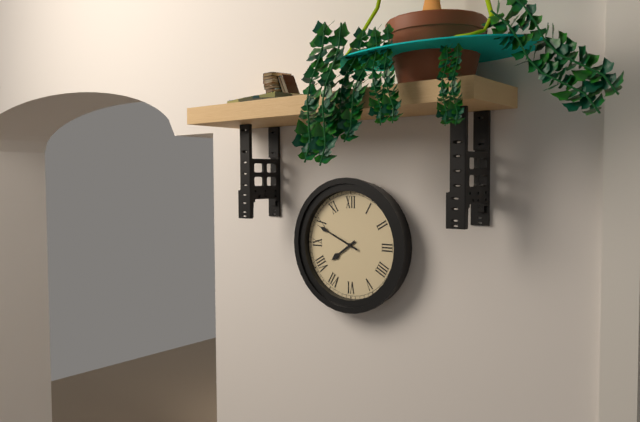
7:49
